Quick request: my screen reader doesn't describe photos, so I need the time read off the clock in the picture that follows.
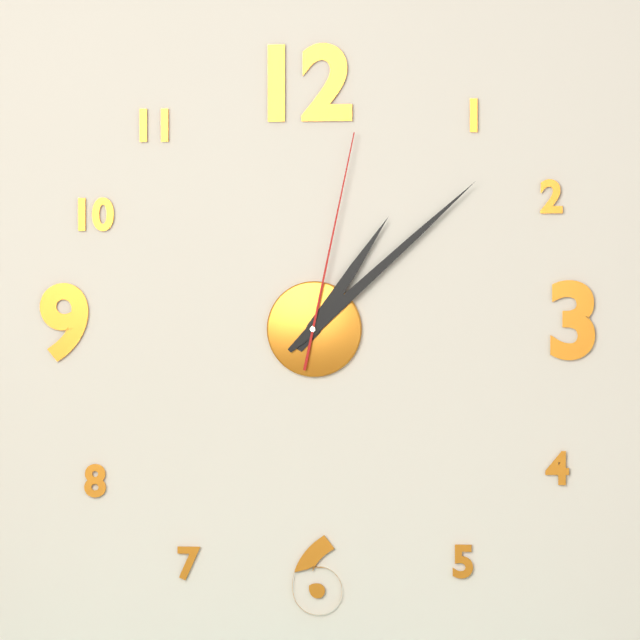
1:08:02
